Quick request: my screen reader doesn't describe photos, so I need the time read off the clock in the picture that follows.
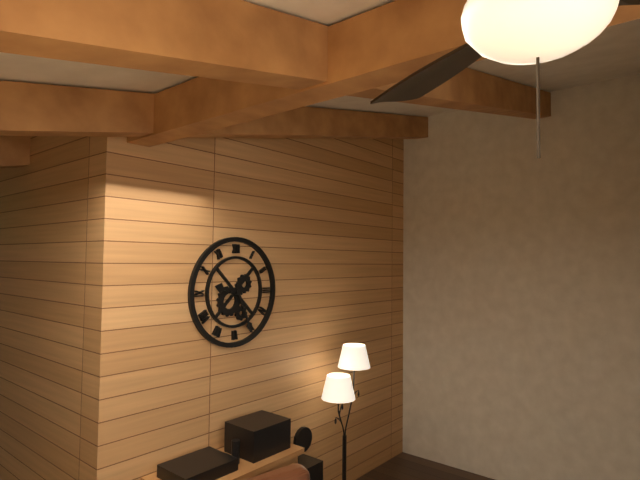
9:26
